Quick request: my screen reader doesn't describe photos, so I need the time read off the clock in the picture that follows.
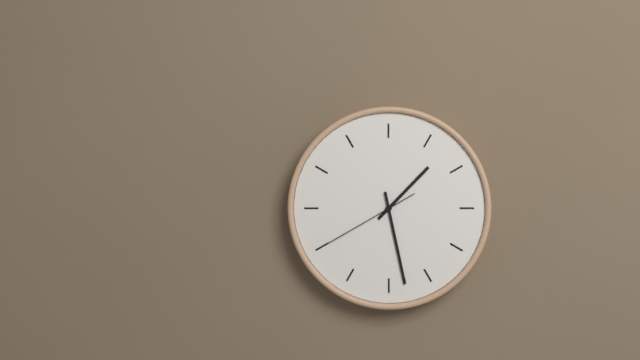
1:28:40
